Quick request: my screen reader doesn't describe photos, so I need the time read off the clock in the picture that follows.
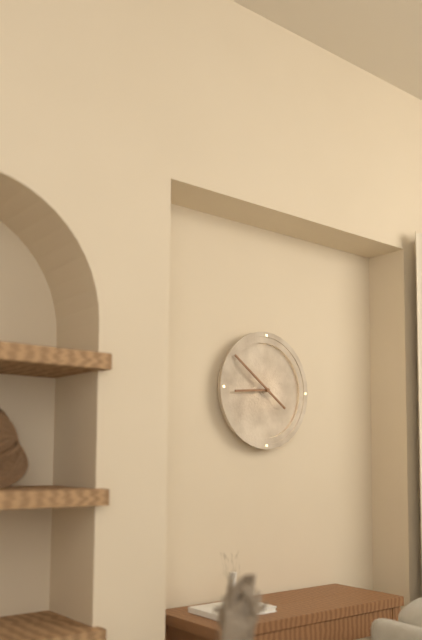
8:51
